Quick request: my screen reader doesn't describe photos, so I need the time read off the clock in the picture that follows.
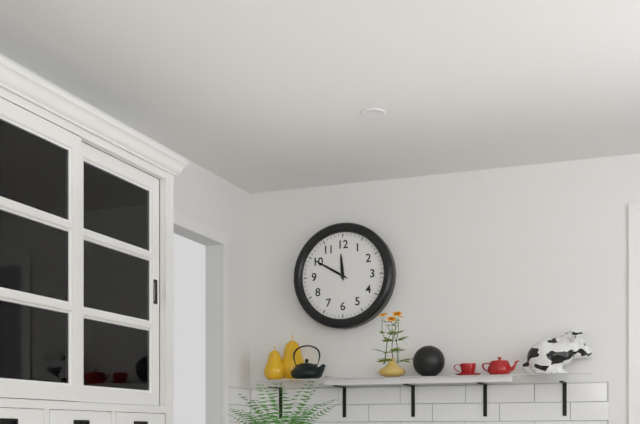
11:50
